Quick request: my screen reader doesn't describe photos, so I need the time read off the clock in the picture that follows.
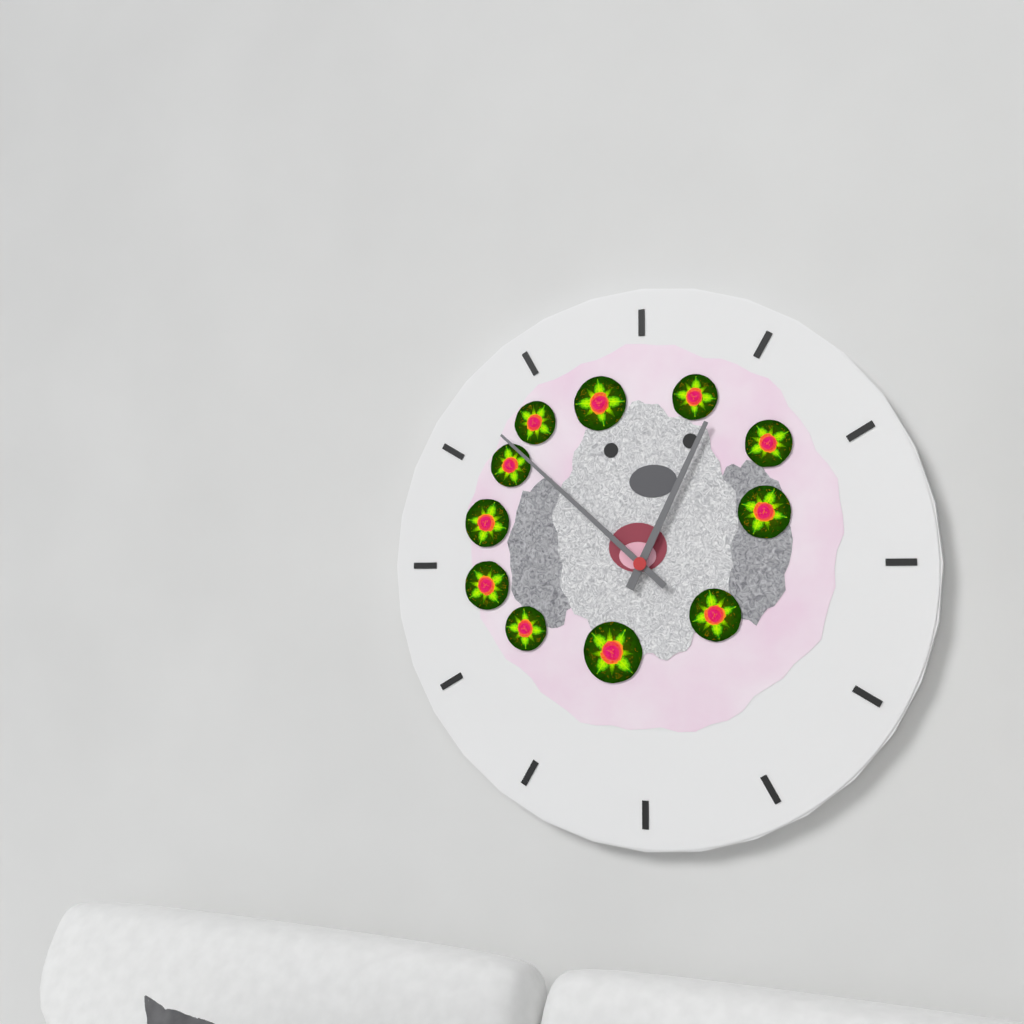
12:52
